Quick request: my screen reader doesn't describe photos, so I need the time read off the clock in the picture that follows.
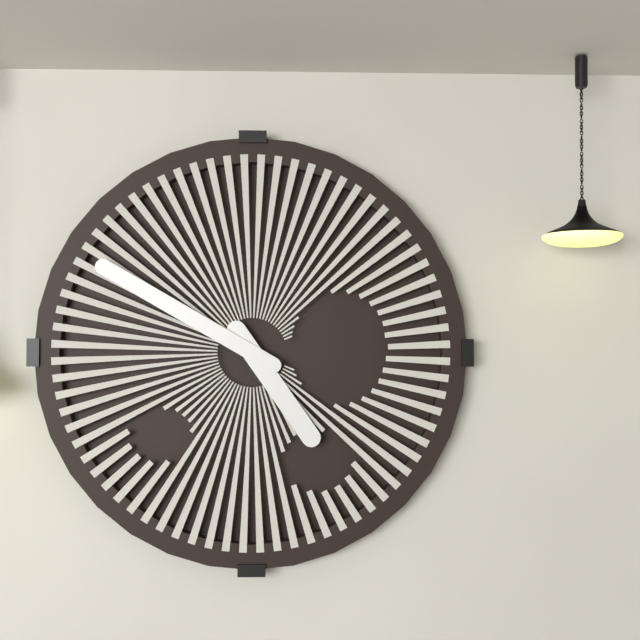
4:50
